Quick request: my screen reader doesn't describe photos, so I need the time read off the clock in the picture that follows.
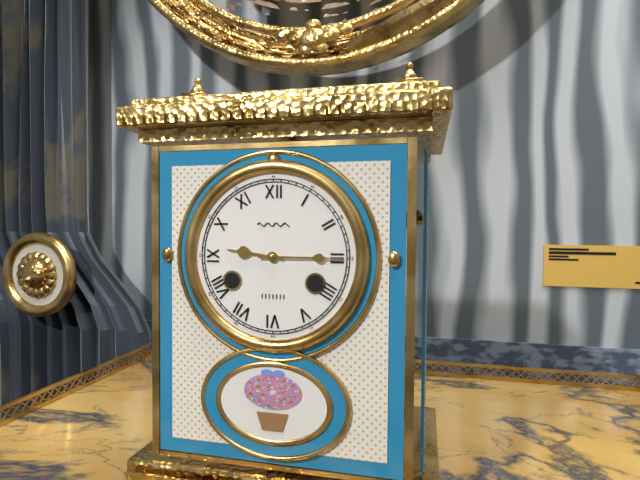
9:15
